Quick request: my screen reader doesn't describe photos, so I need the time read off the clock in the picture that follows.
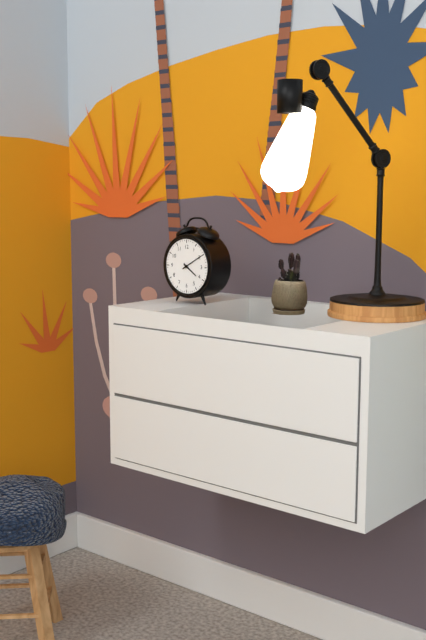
4:10
